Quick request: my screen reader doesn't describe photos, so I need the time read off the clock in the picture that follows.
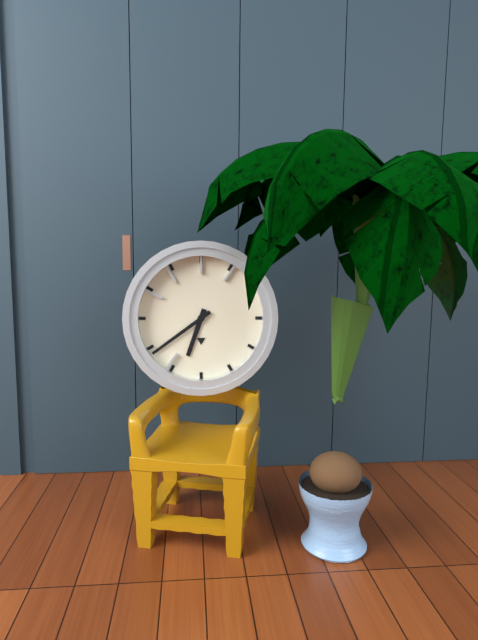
6:39
